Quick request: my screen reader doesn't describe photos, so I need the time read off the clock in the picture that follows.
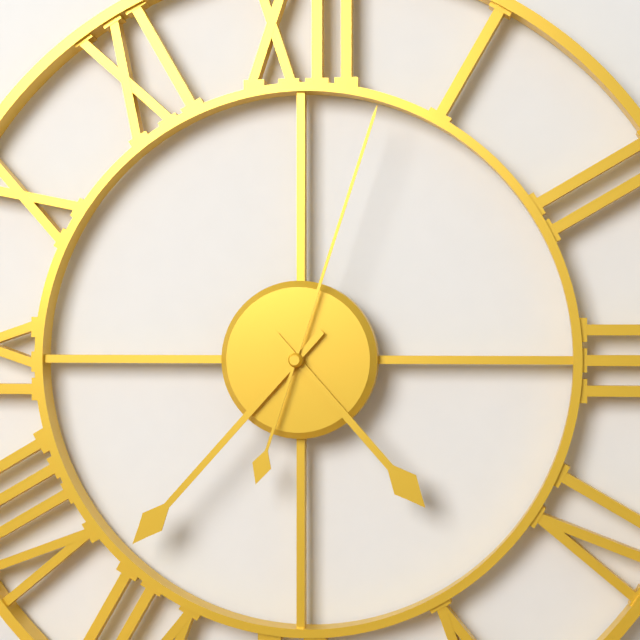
4:37:03
